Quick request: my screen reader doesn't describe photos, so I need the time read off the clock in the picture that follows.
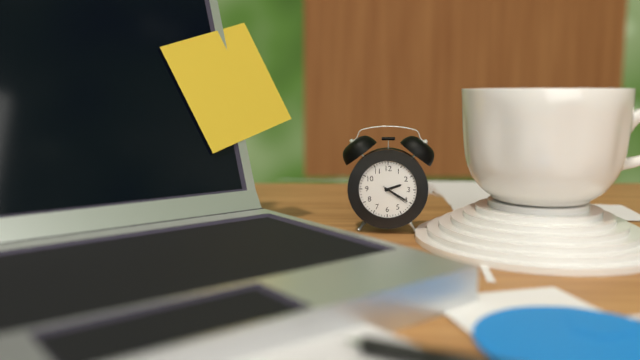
2:20
